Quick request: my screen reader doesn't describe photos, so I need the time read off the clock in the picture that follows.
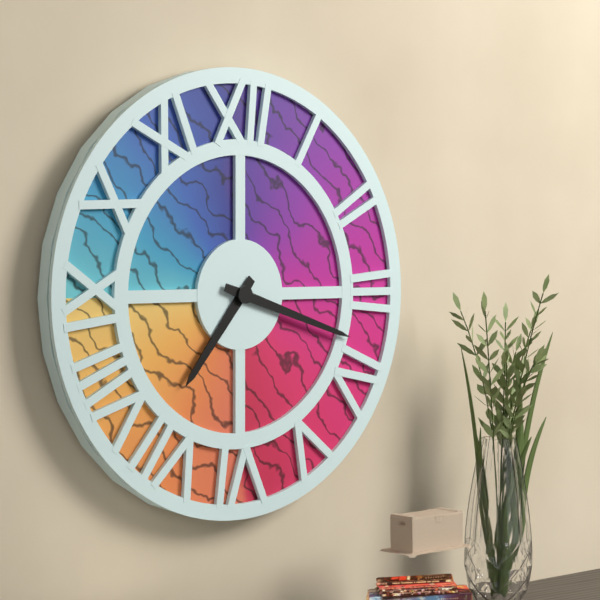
7:18
